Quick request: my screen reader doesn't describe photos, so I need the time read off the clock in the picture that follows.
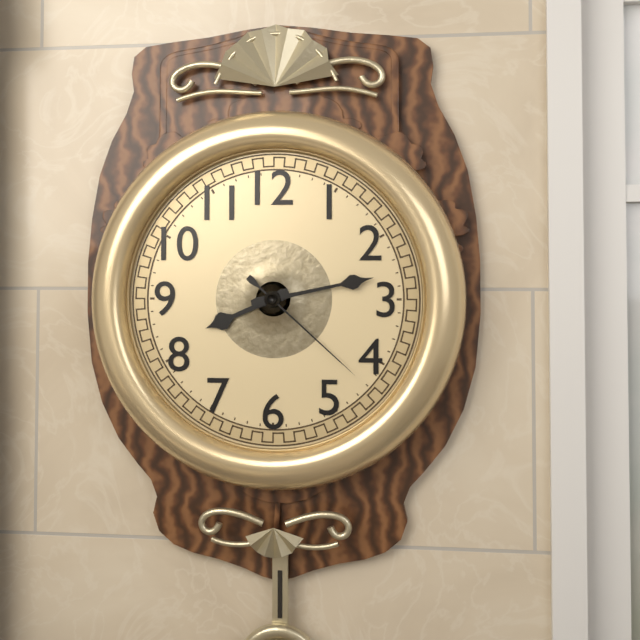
8:13:22
